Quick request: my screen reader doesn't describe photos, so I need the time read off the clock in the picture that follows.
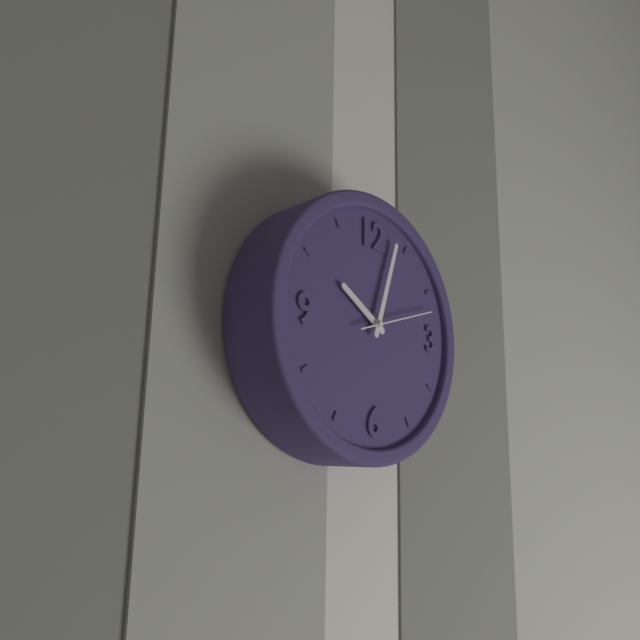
10:03:12
